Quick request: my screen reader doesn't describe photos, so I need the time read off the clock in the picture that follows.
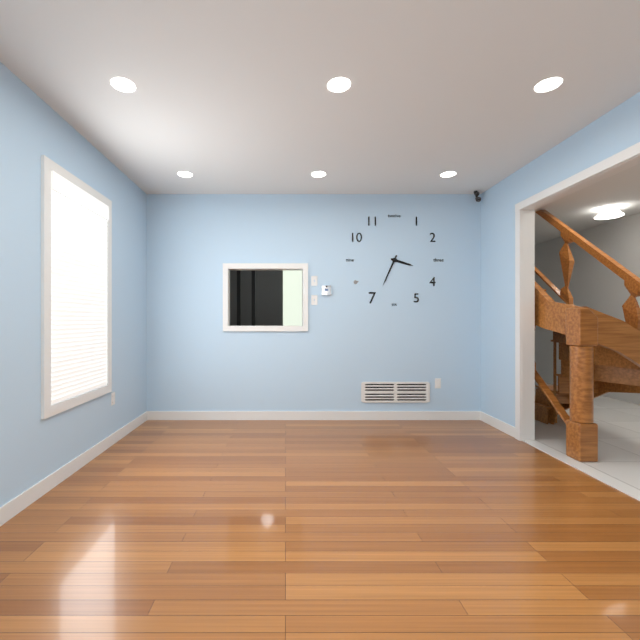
3:34
